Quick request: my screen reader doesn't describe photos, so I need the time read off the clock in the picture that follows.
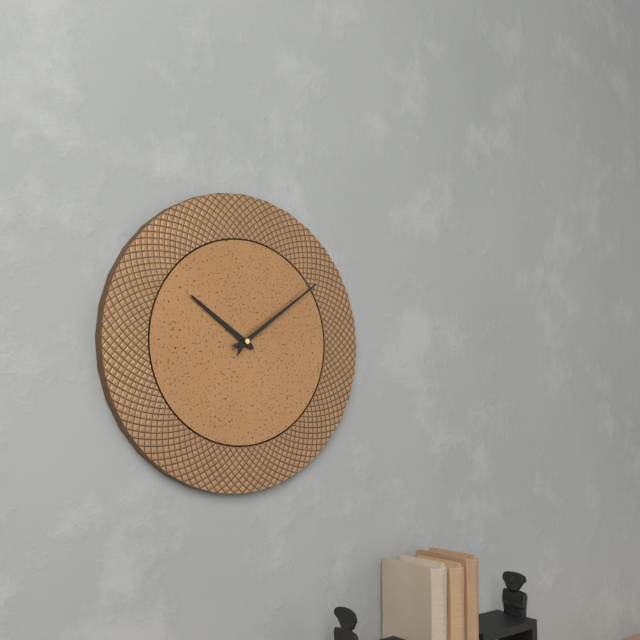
10:09
